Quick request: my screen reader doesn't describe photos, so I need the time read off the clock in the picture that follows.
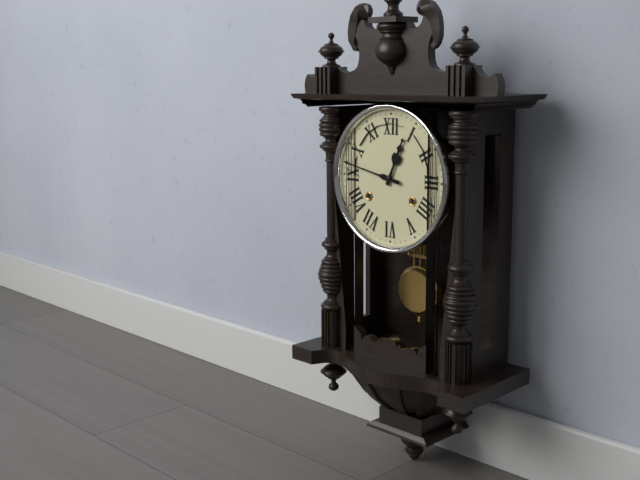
12:47
